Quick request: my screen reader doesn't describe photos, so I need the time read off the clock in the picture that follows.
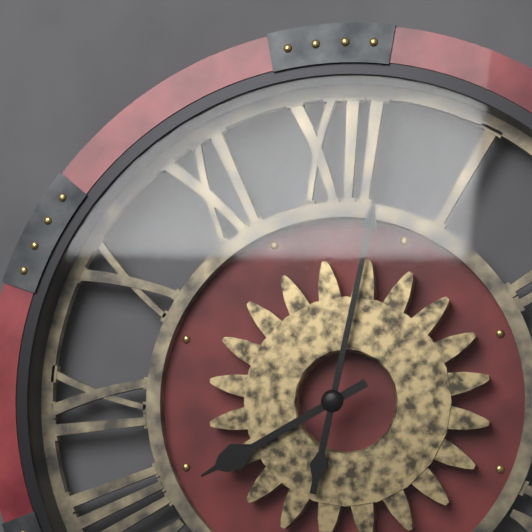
8:02
